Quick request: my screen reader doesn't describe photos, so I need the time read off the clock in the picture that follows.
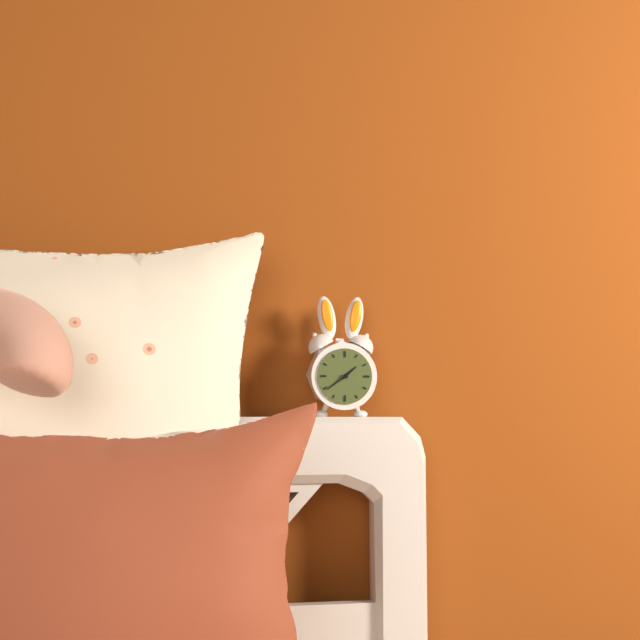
1:39
